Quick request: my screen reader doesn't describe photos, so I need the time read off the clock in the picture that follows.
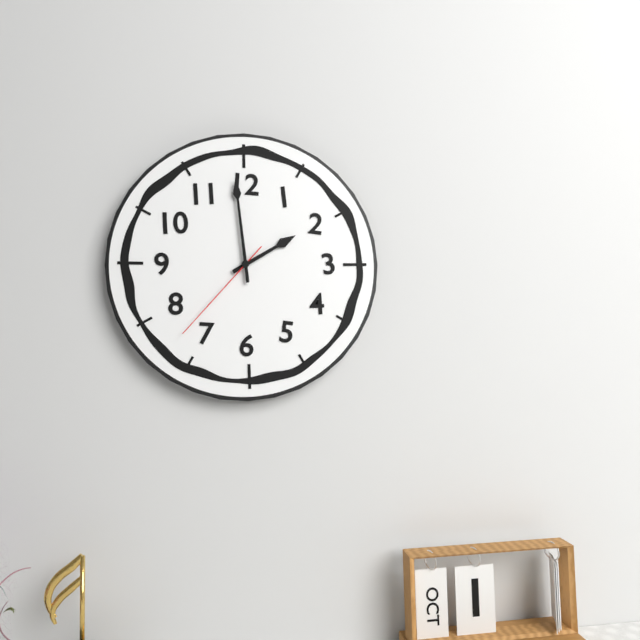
1:59:37
